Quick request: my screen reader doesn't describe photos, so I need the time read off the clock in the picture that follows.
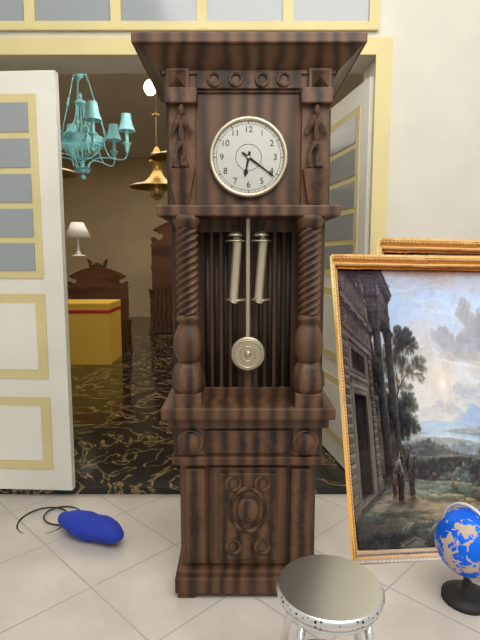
6:21
